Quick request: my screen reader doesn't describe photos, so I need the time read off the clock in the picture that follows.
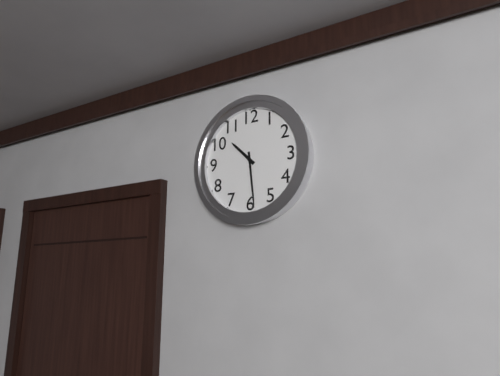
10:29
